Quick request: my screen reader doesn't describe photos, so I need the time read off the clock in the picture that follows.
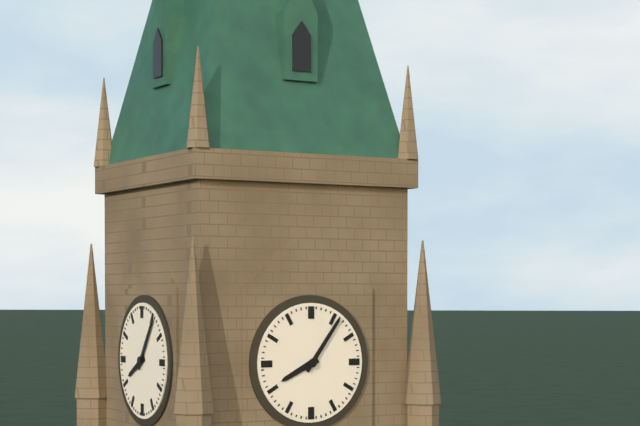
8:06
